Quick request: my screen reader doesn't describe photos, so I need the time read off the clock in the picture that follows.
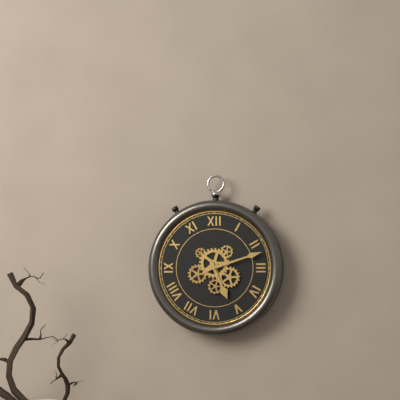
5:12
